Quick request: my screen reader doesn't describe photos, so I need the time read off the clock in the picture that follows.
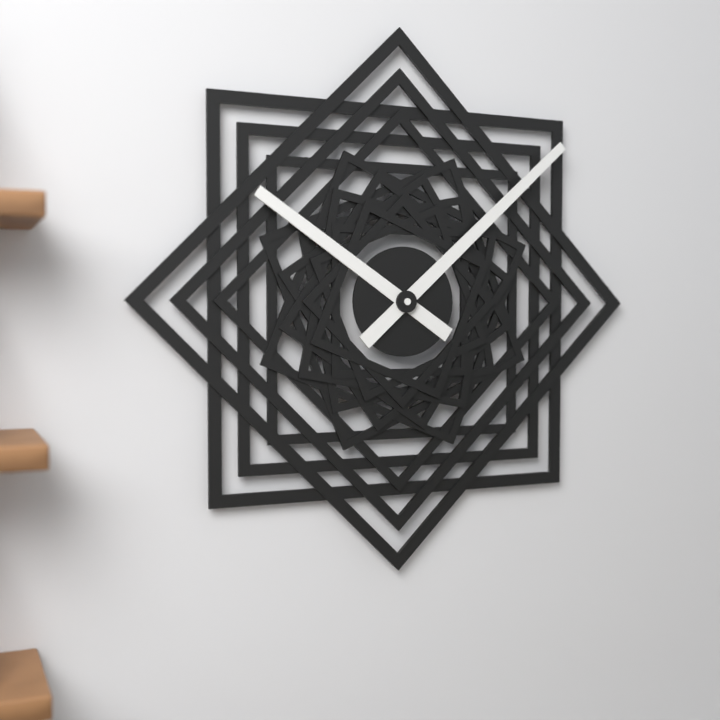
10:08
